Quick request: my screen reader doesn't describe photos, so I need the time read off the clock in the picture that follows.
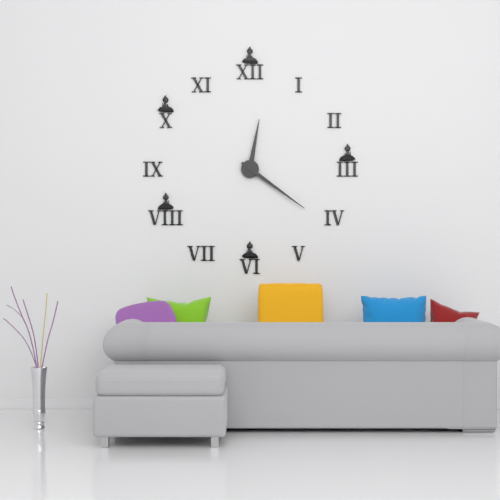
12:21
